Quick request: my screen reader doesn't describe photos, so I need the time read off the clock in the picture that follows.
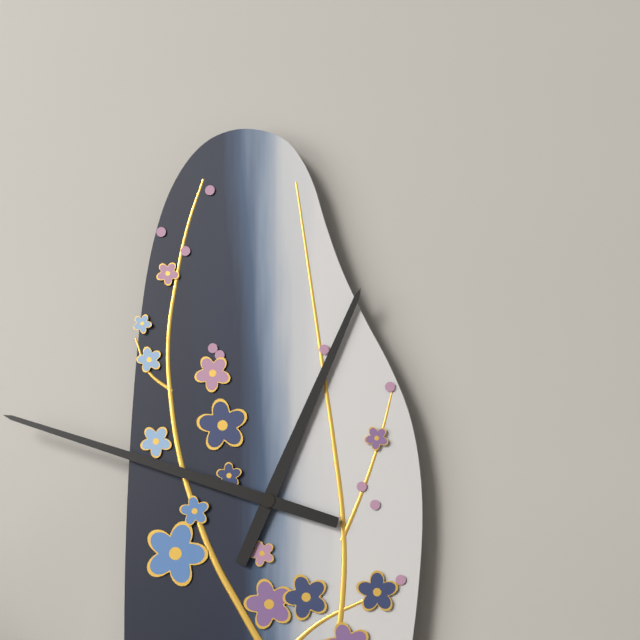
12:48
